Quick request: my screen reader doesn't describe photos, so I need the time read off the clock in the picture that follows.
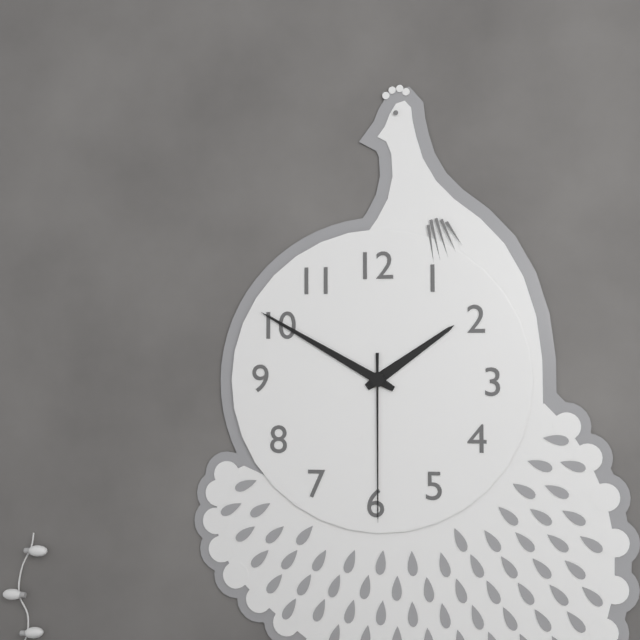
1:50:30
